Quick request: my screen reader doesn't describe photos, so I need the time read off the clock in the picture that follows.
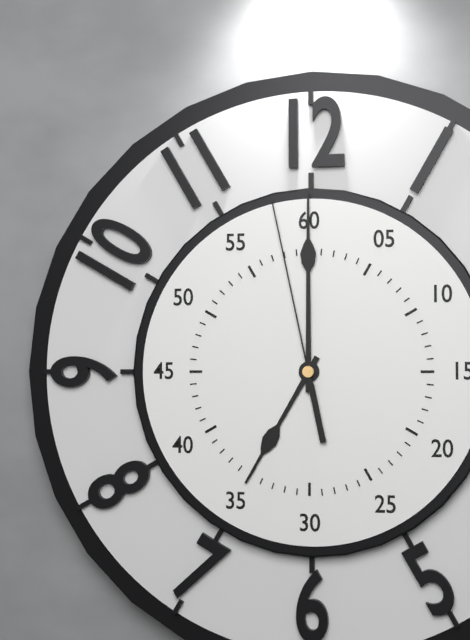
7:00:58
